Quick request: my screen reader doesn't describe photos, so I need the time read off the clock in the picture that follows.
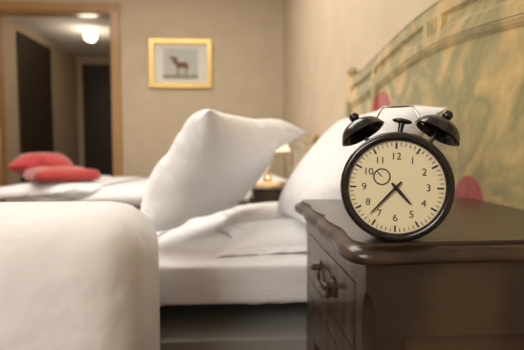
4:37
